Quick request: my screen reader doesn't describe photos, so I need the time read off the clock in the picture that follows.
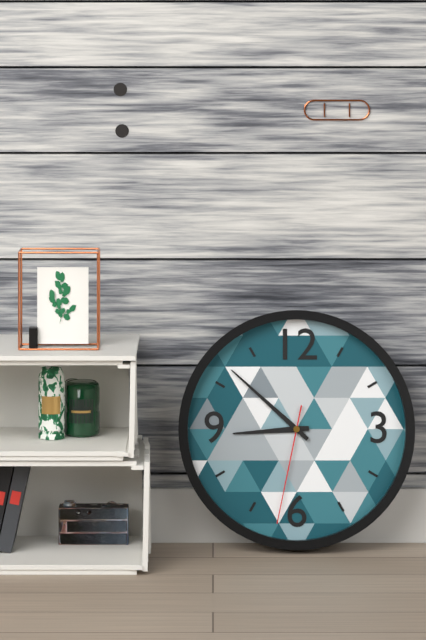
8:52:32
